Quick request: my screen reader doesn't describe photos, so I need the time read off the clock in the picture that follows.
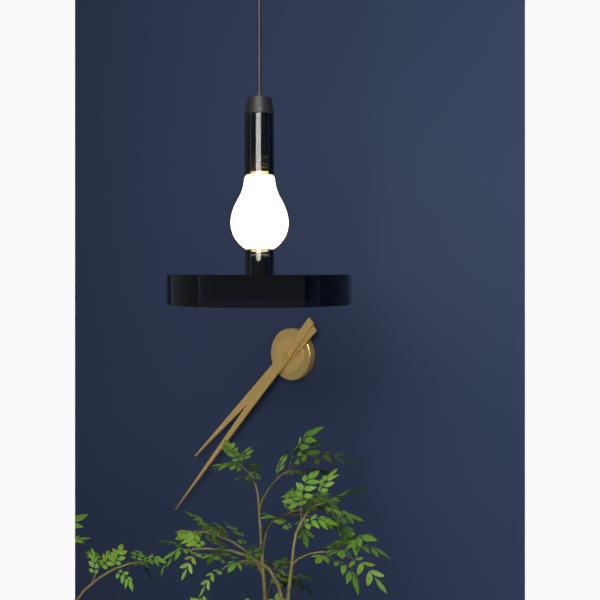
7:37
